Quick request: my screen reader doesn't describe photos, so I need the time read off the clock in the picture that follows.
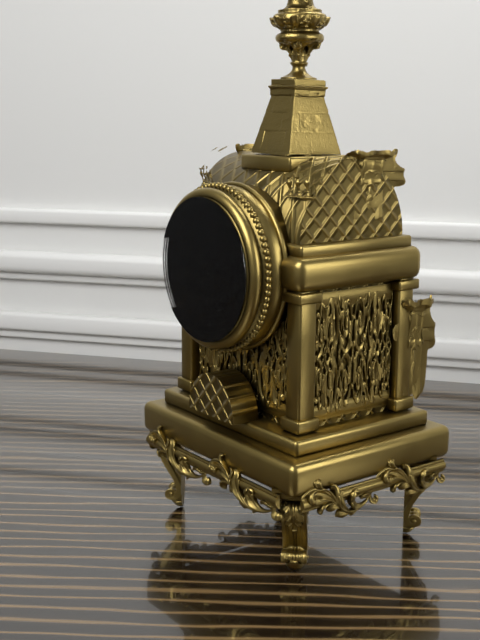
6:42
